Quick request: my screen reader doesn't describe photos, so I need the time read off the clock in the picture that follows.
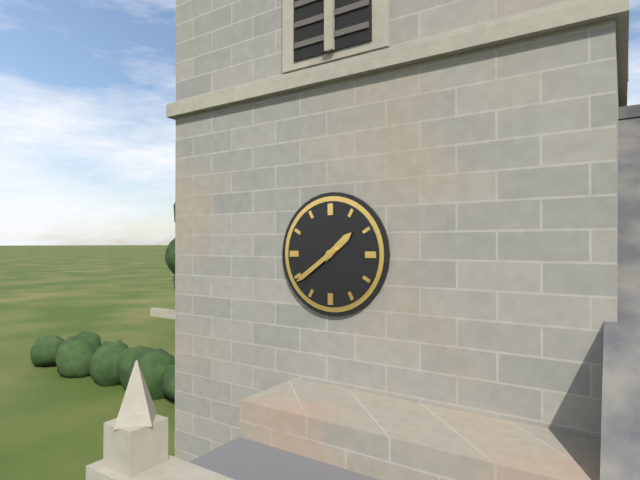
1:39
